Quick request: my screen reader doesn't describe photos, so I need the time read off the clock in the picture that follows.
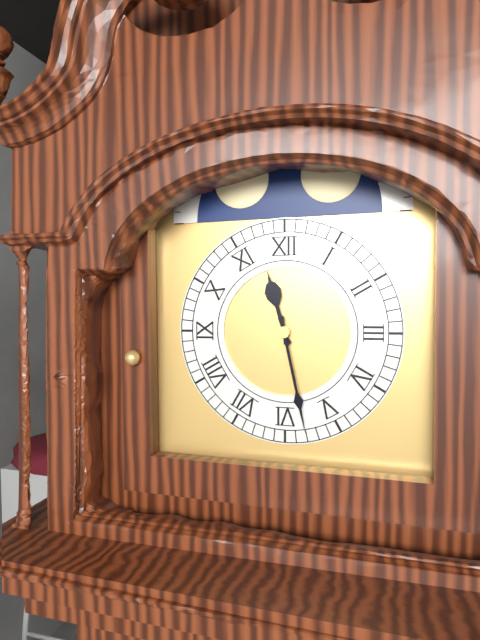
11:28
